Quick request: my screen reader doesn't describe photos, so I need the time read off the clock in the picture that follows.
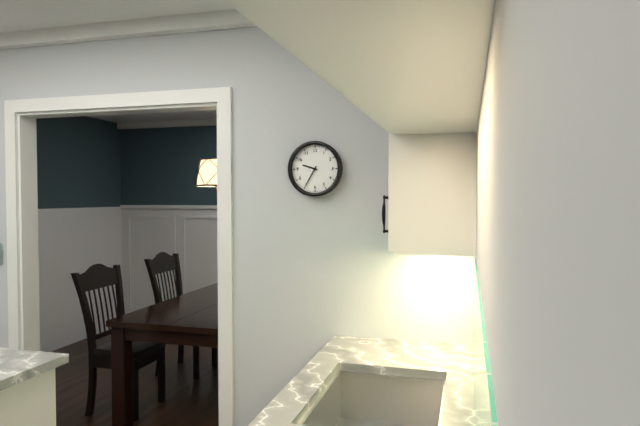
9:35
